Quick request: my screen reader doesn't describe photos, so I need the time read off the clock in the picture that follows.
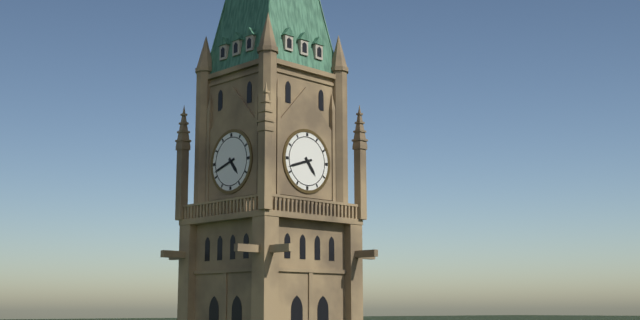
4:42
